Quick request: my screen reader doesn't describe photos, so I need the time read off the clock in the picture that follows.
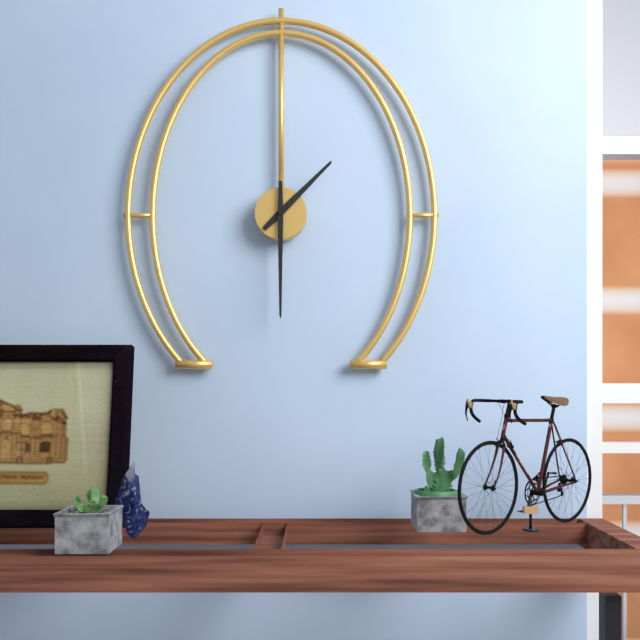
1:30
